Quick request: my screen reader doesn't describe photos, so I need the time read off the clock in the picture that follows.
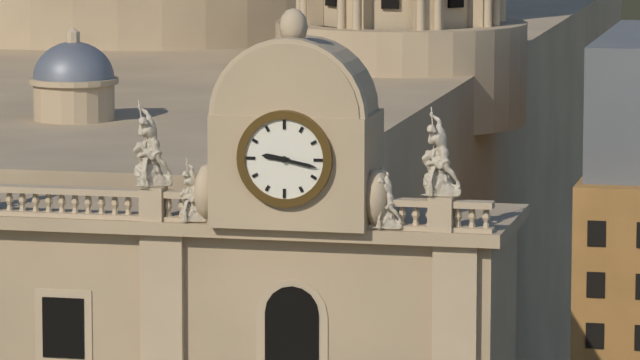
9:17
